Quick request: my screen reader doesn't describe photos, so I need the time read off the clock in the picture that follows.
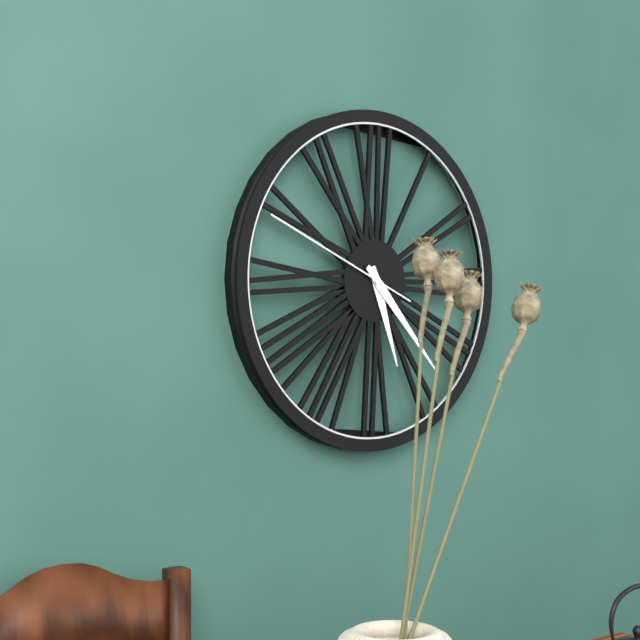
5:23:49
